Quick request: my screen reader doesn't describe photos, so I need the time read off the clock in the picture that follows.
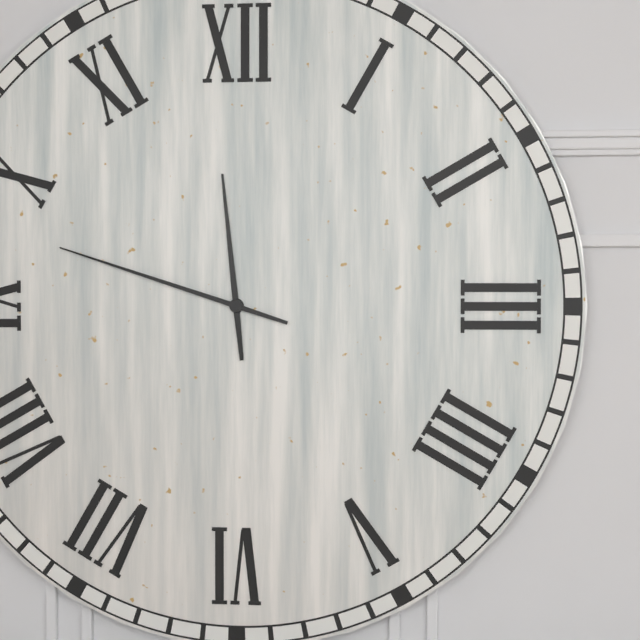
11:48
